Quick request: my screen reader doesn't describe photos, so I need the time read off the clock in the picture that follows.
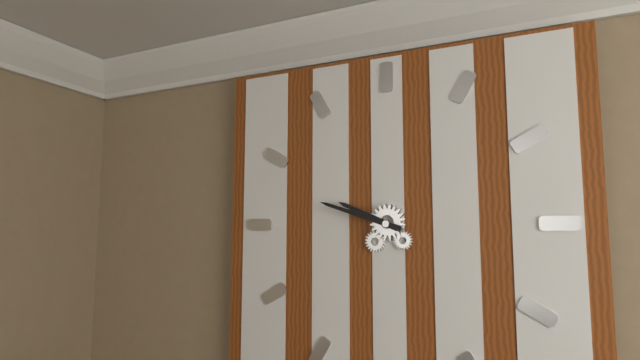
9:48
